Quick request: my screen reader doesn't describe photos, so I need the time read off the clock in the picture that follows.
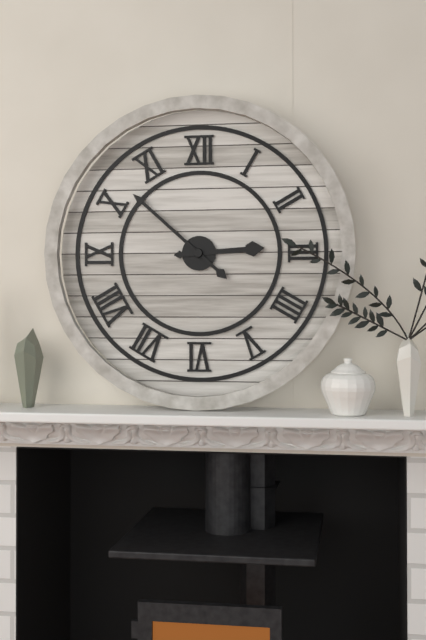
2:52
